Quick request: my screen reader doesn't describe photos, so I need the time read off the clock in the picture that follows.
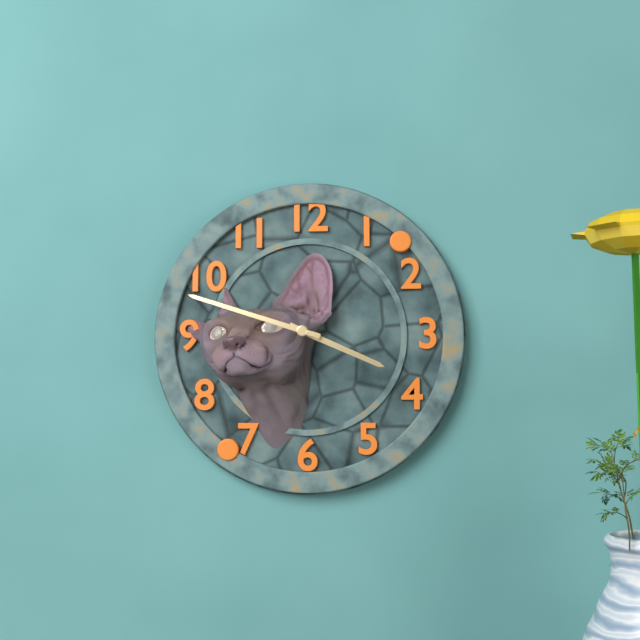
3:48
